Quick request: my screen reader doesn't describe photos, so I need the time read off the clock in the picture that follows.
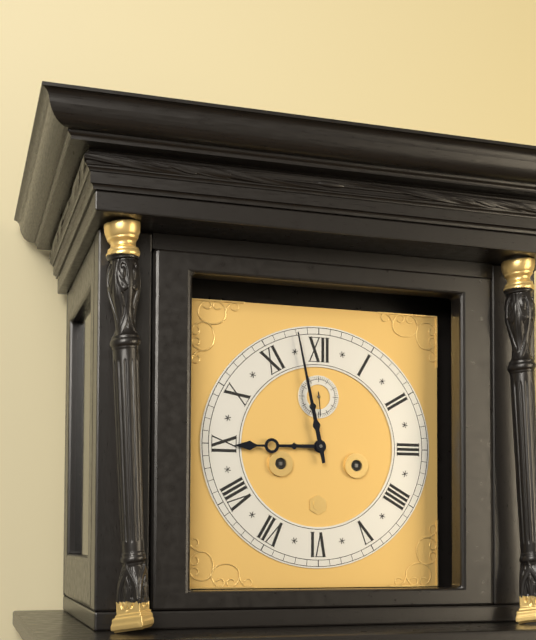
8:58
